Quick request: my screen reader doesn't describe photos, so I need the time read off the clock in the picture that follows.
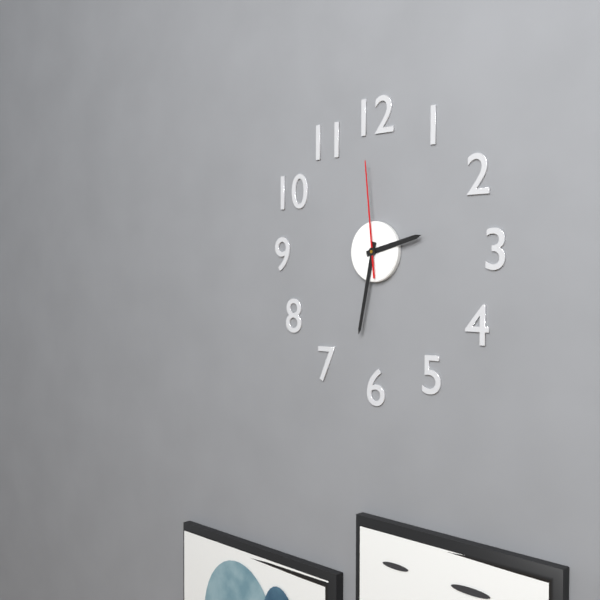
2:32:59
